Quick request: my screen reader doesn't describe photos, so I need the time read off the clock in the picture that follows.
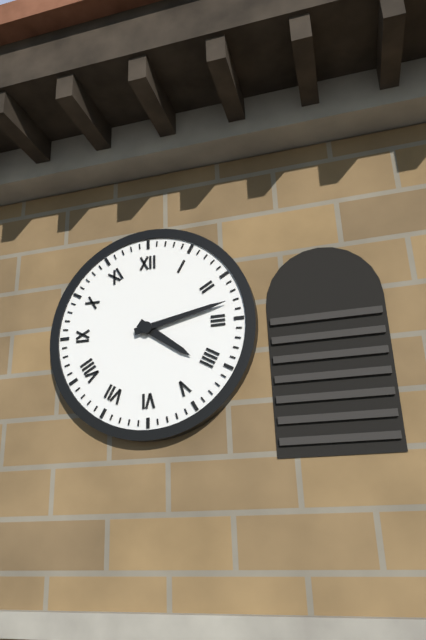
4:13
